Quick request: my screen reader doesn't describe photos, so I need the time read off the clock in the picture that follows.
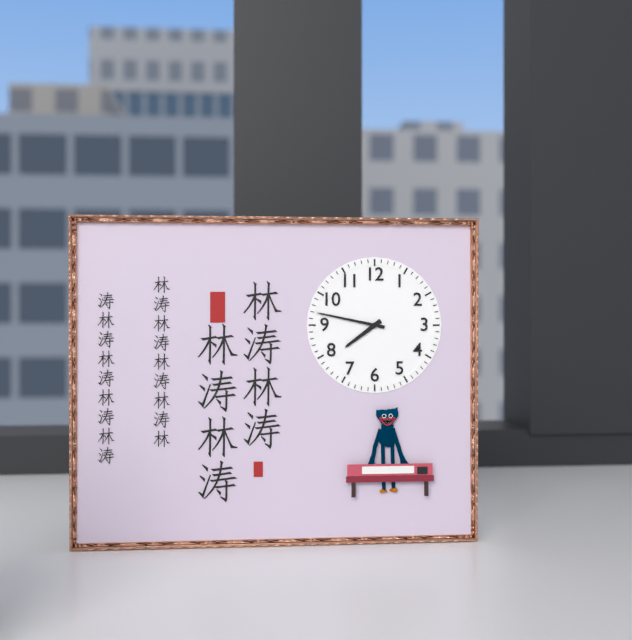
7:47
